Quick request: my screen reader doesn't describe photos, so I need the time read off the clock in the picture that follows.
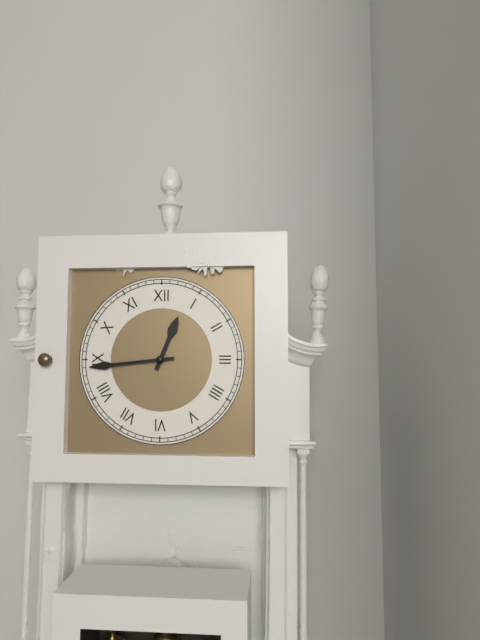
12:44
